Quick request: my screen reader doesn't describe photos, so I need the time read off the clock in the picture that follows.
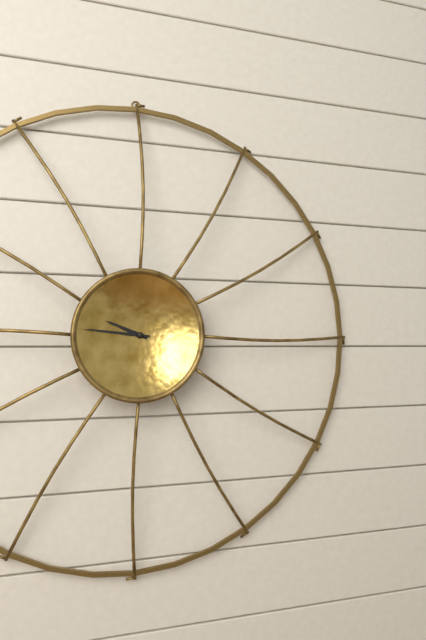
9:46
